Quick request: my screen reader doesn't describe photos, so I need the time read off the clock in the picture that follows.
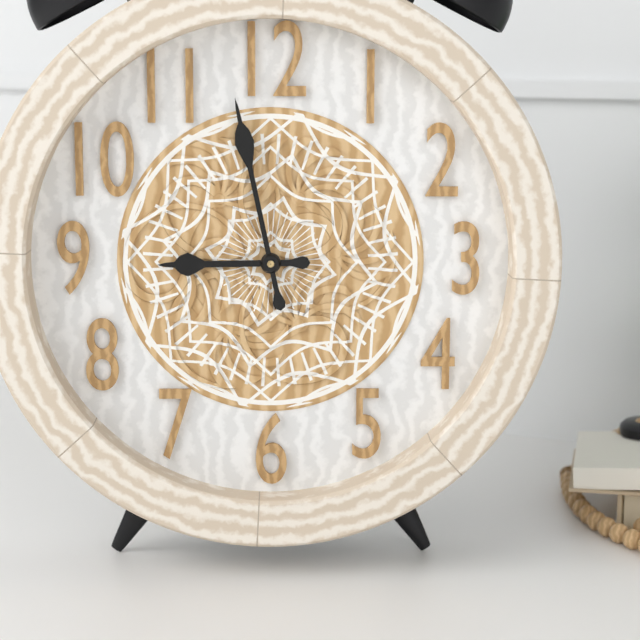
8:58
